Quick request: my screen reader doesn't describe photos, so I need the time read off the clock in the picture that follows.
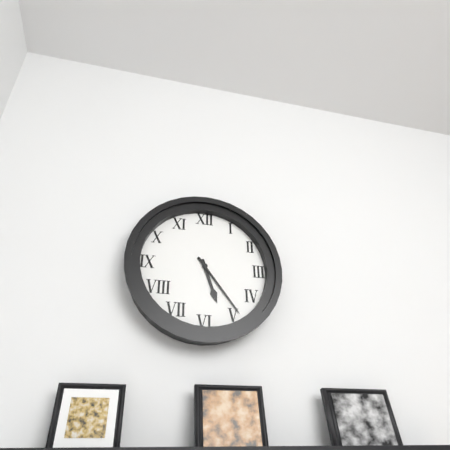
5:24
